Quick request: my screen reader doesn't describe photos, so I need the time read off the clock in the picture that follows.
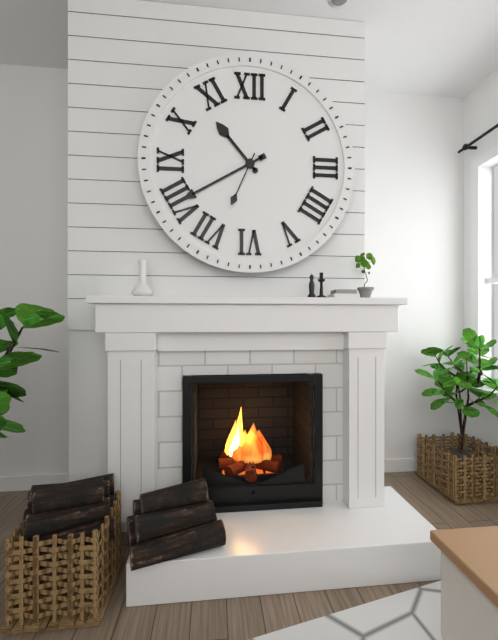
10:40:34
